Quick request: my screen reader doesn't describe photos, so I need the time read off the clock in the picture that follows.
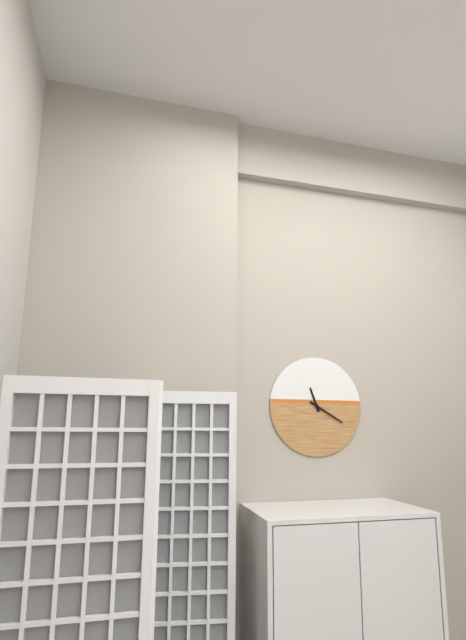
11:20
